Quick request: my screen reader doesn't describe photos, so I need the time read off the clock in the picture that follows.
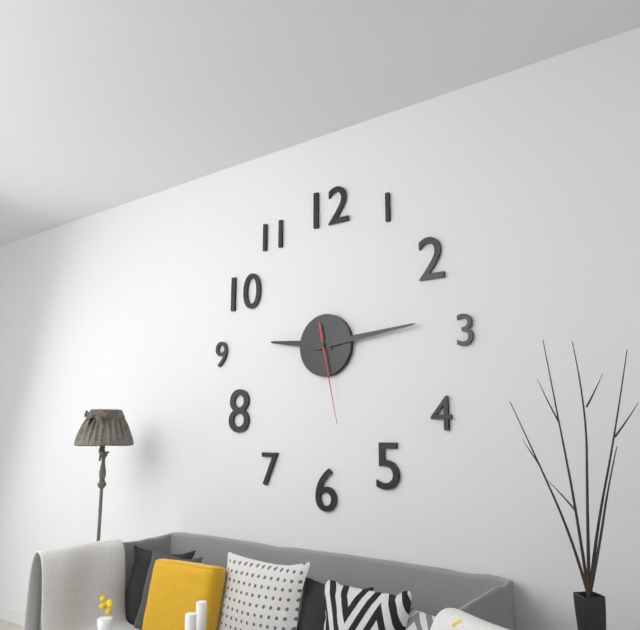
9:14:28
